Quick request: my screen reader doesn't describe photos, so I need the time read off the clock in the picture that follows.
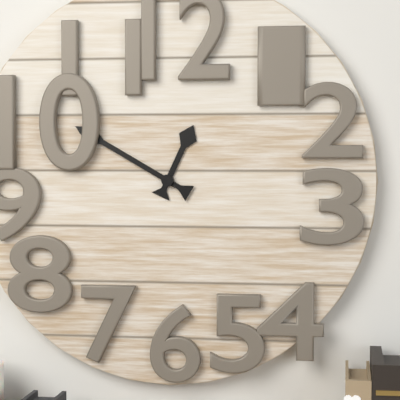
12:50
